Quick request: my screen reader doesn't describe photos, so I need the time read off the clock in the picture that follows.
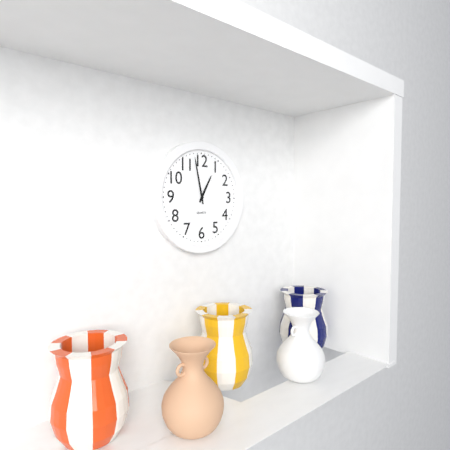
12:58
